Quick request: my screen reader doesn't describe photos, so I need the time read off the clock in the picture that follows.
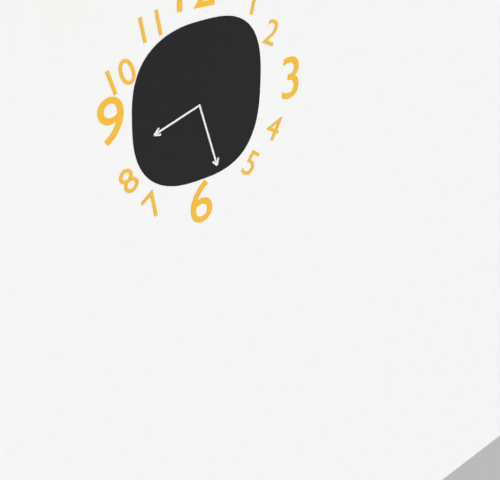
8:27
